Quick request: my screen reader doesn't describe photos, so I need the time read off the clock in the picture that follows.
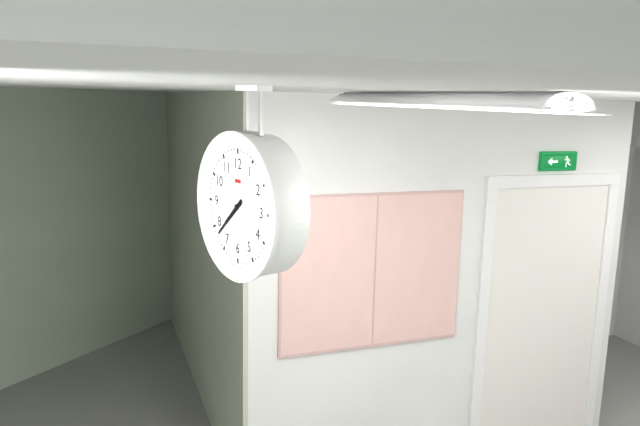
7:38
